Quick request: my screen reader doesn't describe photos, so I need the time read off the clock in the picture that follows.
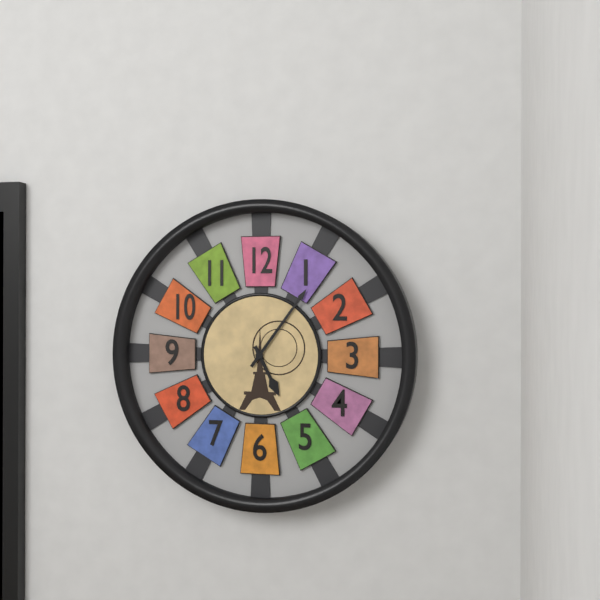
5:06
